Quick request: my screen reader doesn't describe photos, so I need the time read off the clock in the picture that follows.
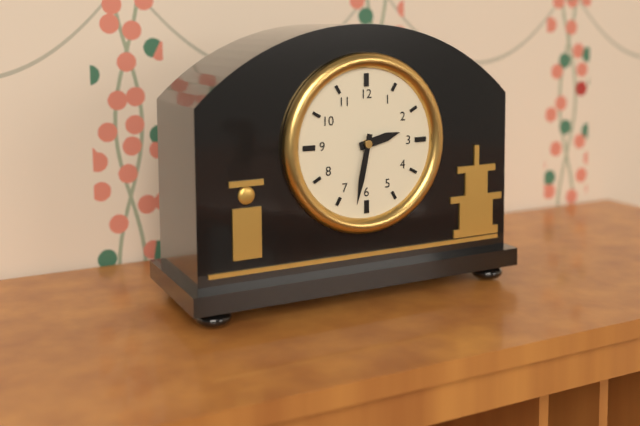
2:32
